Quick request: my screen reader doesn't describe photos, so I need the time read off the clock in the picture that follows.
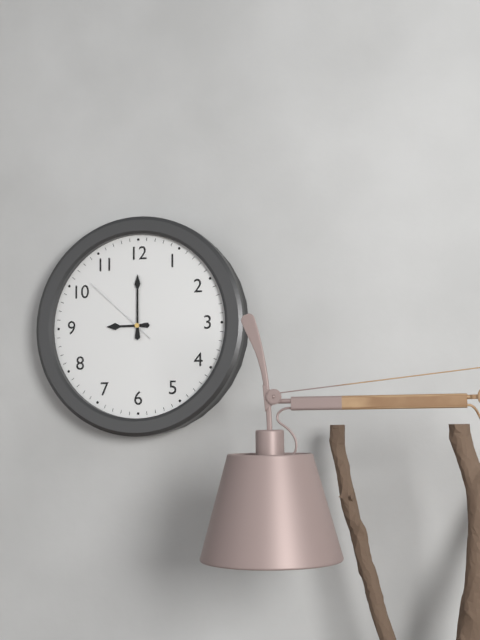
9:00:52
